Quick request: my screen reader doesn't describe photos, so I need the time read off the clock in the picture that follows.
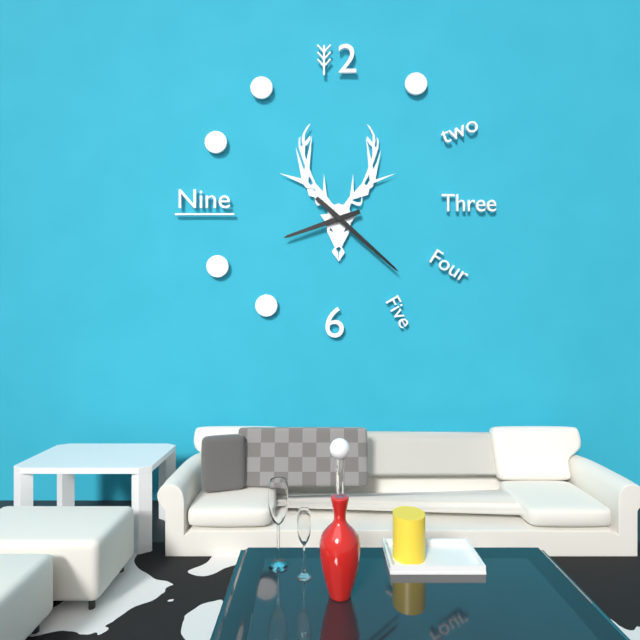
8:22
